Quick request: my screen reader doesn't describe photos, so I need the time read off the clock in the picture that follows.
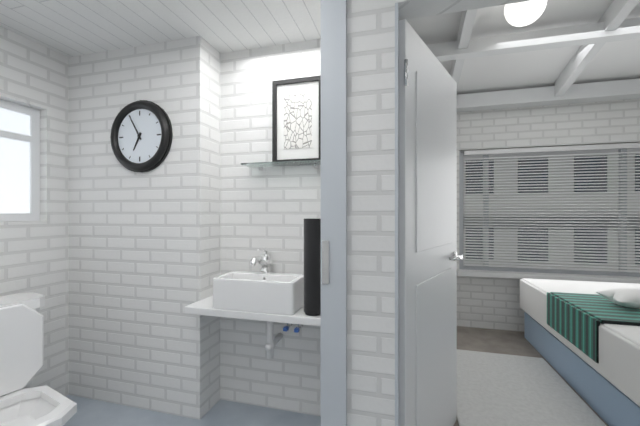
6:55
